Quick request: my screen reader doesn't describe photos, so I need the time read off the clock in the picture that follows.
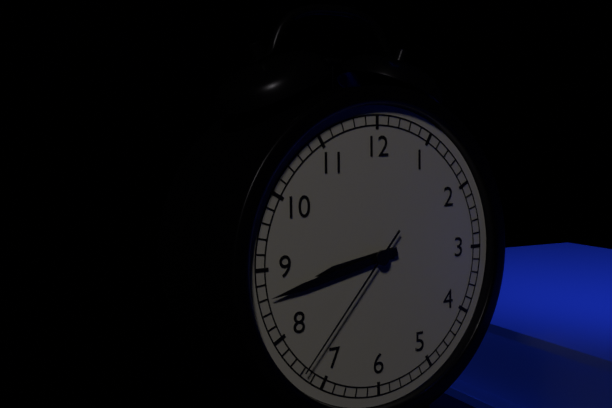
8:43:37
